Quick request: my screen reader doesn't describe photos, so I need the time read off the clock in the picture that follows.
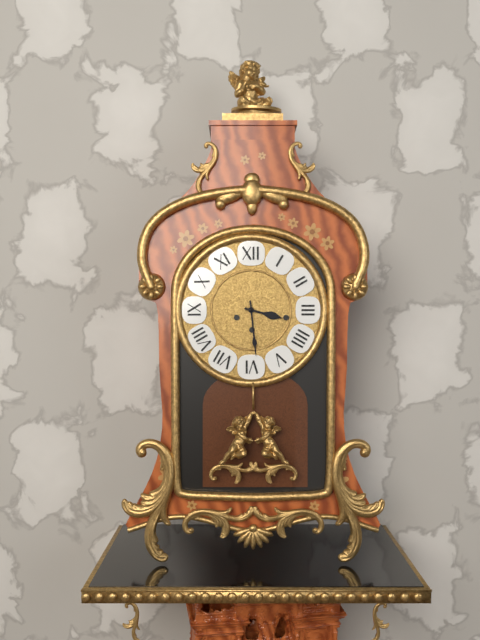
3:29
